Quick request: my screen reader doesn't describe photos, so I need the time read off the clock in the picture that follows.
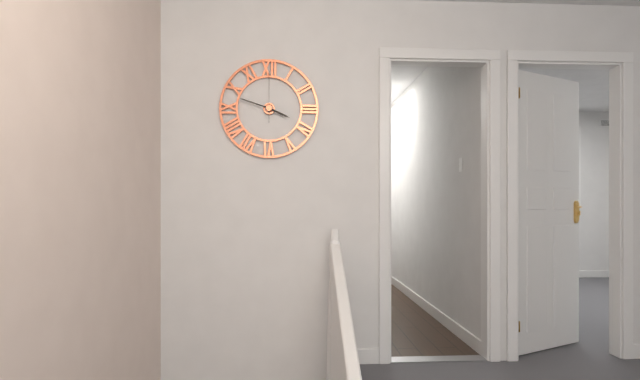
3:48
